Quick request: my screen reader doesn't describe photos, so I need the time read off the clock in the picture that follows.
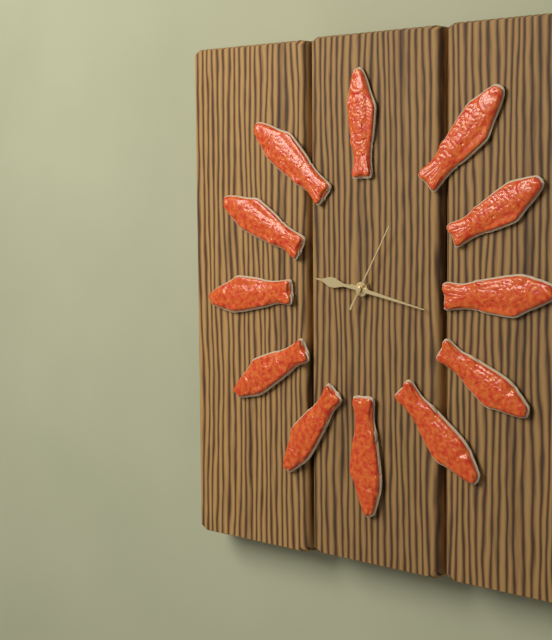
9:17:05
